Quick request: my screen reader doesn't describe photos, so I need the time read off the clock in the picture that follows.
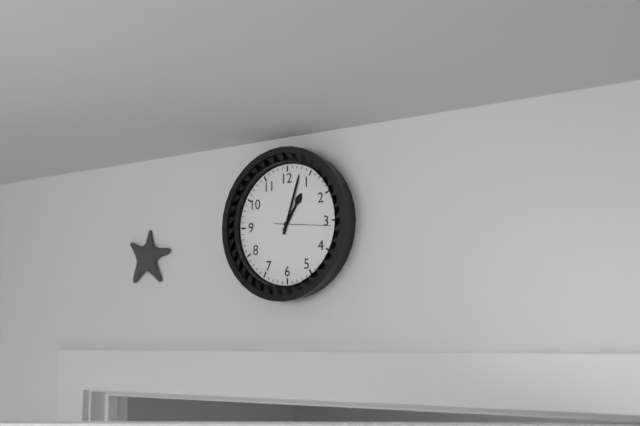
1:03:16
